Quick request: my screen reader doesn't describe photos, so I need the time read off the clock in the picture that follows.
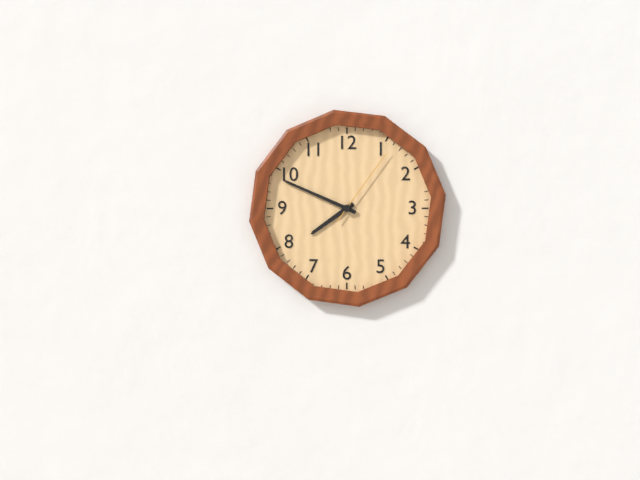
7:49:06
